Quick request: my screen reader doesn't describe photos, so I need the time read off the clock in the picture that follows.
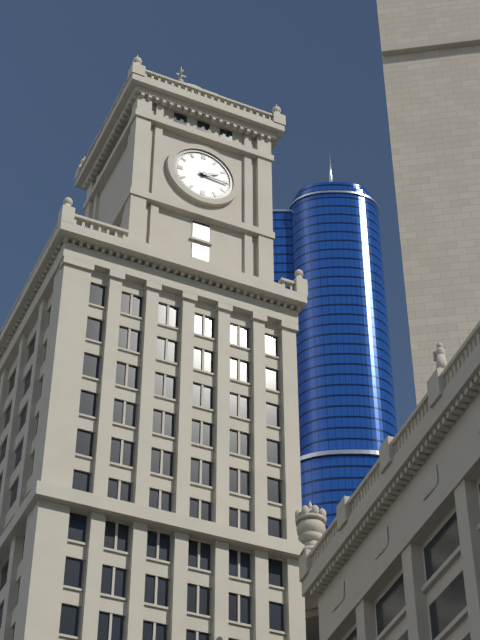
2:16
